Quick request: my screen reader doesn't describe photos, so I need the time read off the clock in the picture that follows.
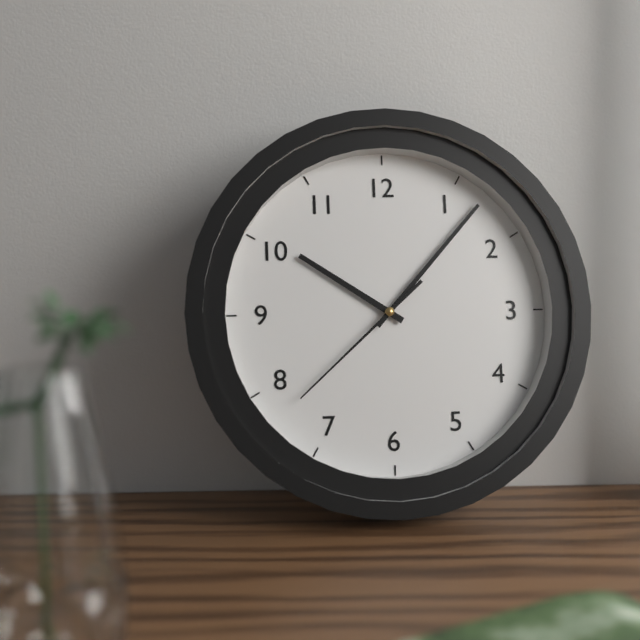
10:07:38
